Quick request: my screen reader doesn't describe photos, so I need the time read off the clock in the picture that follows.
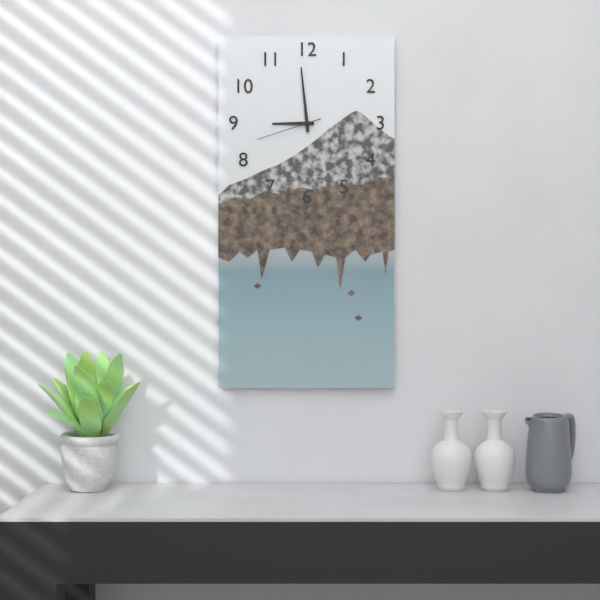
8:59:42
